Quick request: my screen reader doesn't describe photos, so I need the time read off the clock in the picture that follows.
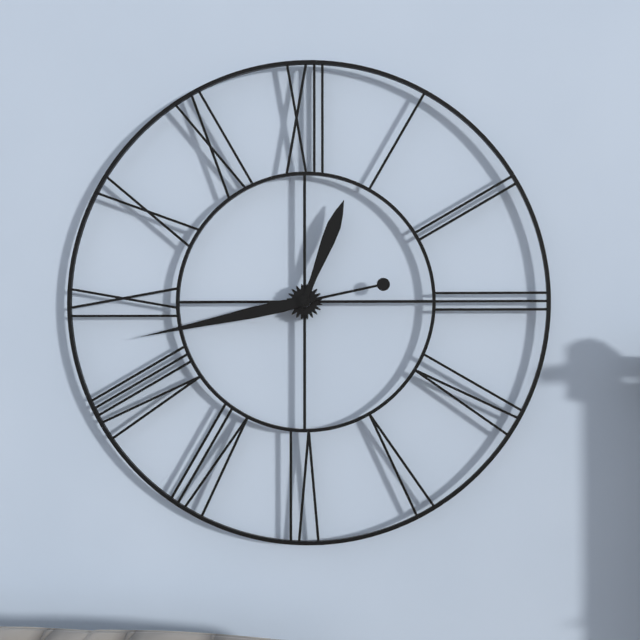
12:43
